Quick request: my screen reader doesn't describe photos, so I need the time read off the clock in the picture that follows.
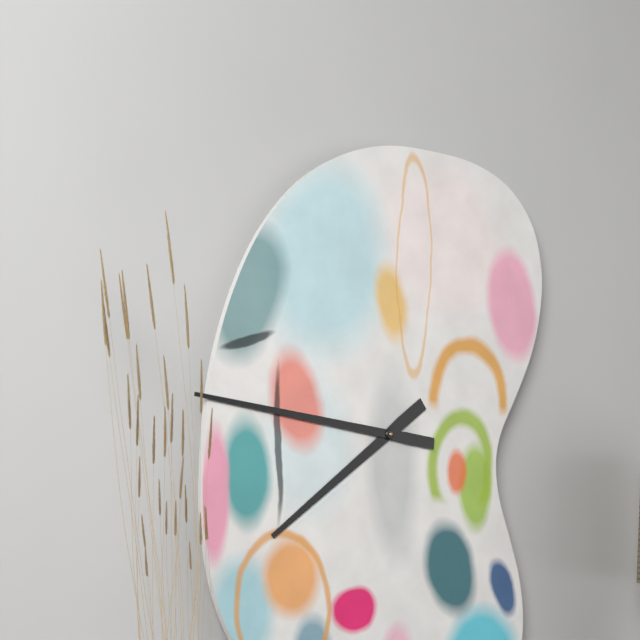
7:46
